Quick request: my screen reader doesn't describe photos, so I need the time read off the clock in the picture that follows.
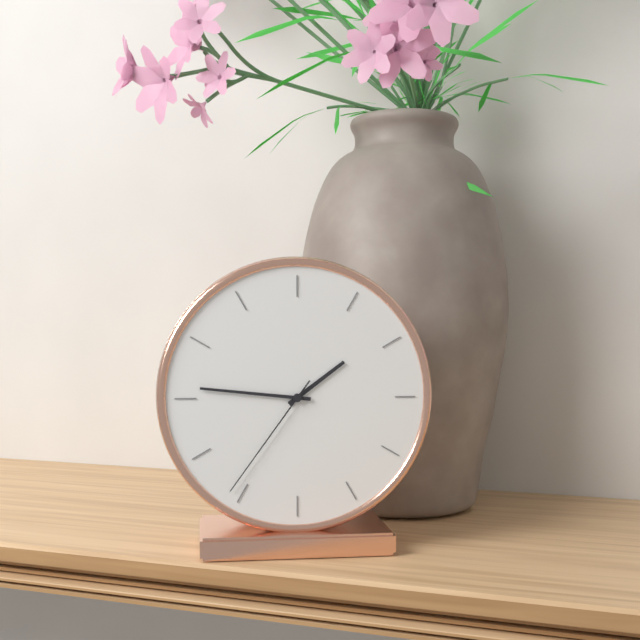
1:46:36
